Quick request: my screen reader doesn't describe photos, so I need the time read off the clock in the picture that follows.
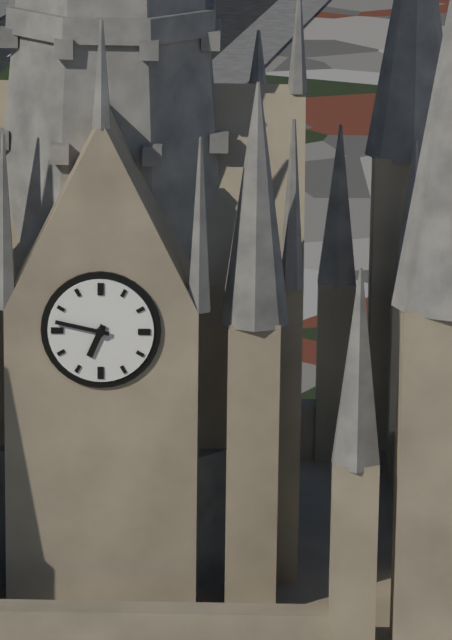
6:47
